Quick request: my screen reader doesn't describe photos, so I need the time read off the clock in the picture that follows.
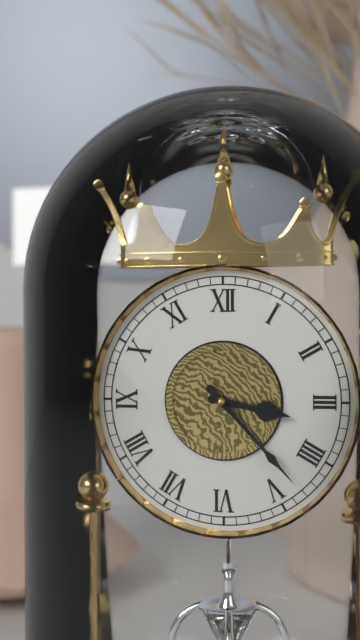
3:23
